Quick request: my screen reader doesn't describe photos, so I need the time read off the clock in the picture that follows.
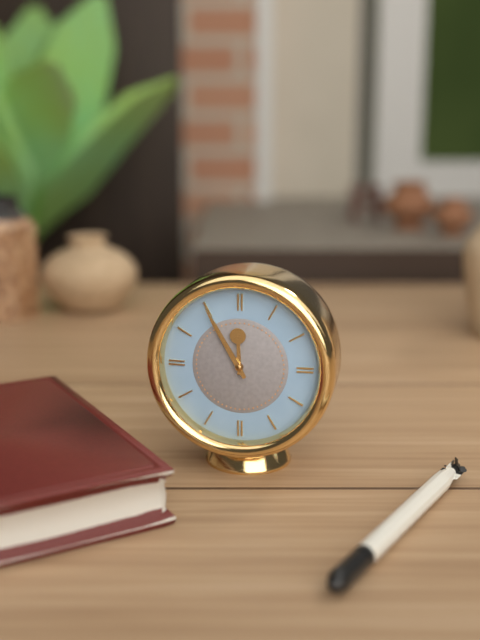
11:55
